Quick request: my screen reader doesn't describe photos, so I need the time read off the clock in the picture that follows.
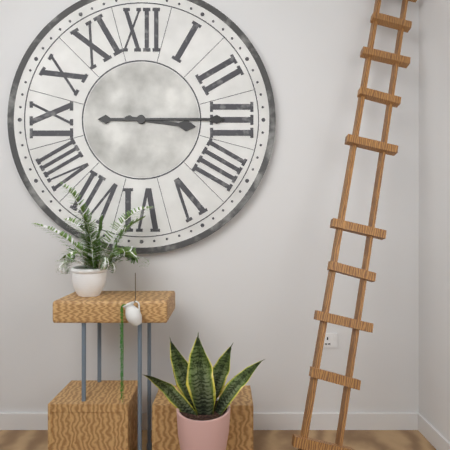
3:15
